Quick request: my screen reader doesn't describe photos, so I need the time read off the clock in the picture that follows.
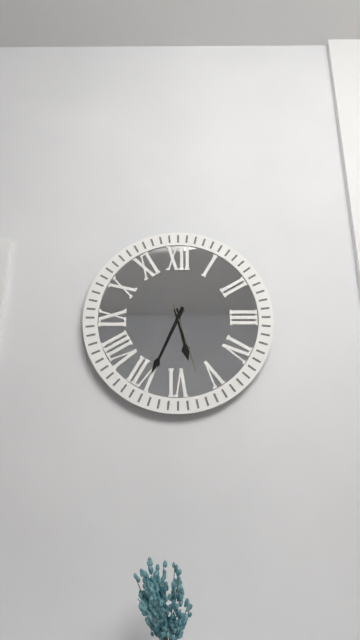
5:34:27
